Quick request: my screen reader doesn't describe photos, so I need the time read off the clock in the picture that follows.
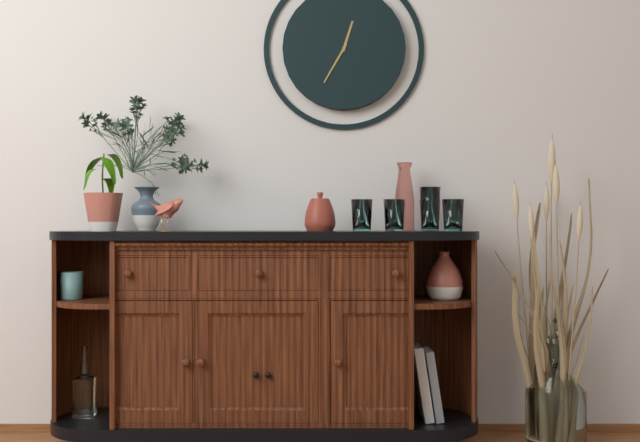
12:35
